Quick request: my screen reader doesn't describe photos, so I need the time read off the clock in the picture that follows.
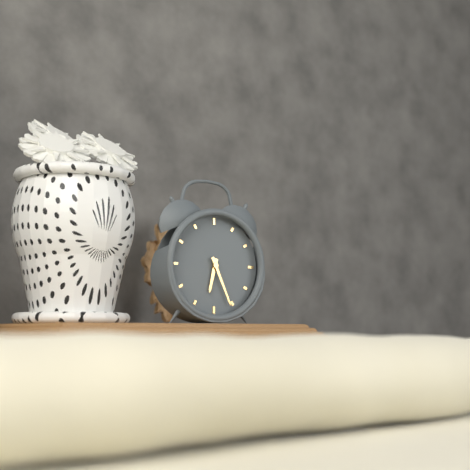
6:26
